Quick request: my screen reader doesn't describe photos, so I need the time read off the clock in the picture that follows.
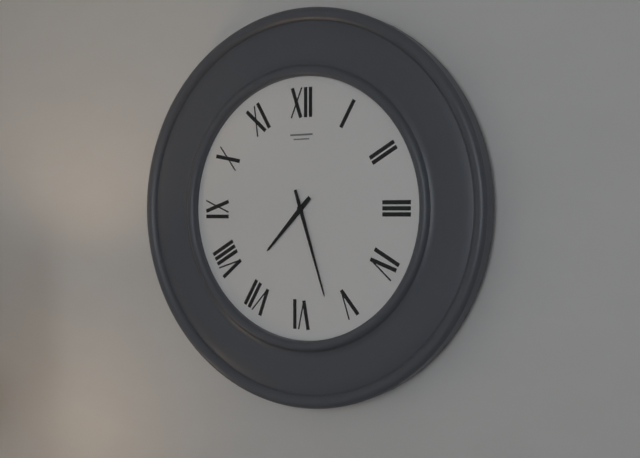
7:27
